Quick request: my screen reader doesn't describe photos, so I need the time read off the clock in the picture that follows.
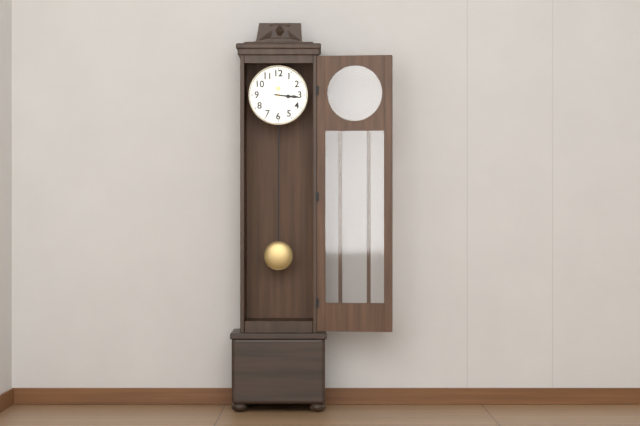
3:16
